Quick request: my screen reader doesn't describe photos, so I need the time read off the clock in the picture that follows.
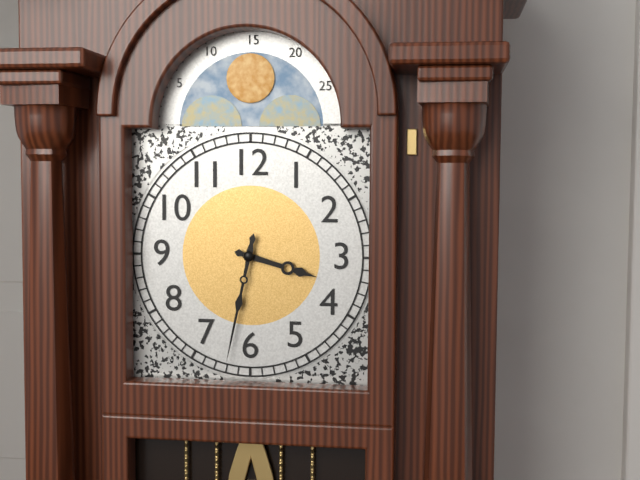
3:32
